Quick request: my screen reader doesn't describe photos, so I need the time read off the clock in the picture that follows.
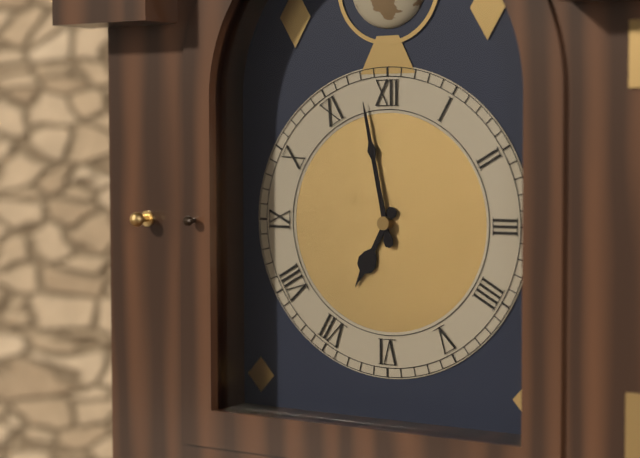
6:58
